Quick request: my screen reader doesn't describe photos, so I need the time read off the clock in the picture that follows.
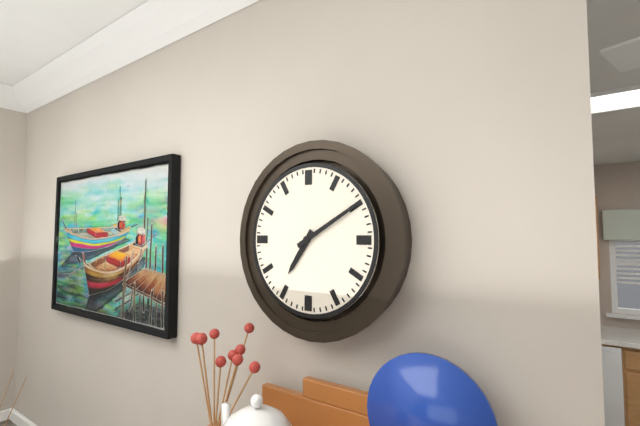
7:10
